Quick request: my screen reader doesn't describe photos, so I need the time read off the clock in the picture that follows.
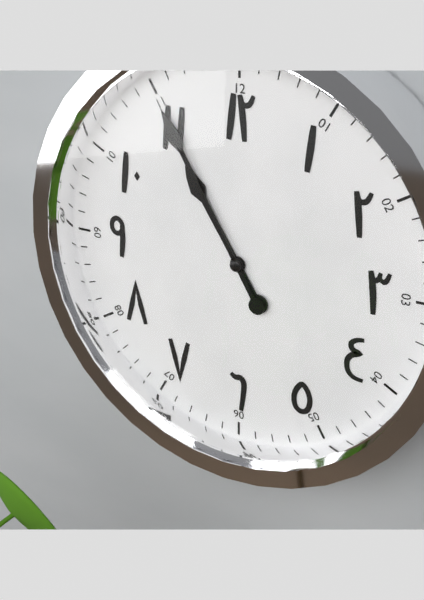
10:55
